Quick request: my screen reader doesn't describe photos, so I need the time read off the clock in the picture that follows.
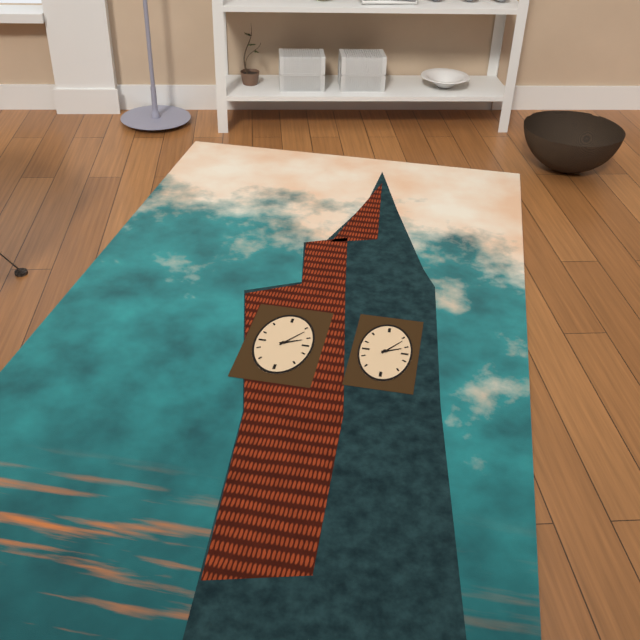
2:06
